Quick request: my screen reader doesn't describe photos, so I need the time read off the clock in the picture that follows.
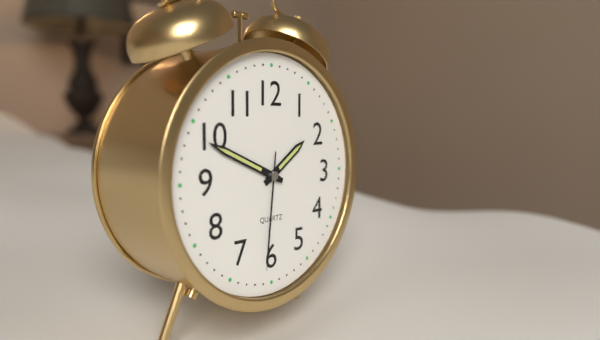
1:49:31
